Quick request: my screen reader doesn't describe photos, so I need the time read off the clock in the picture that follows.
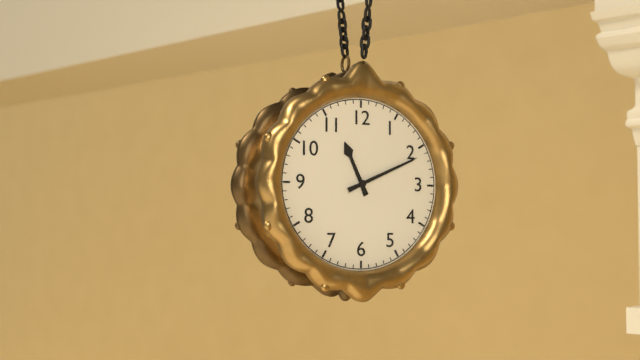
11:11
